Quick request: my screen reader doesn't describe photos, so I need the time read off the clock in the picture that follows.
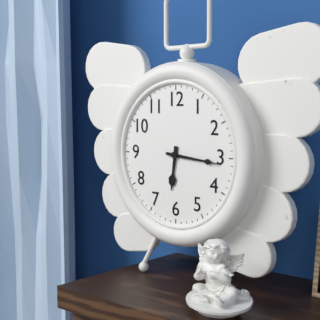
6:16
